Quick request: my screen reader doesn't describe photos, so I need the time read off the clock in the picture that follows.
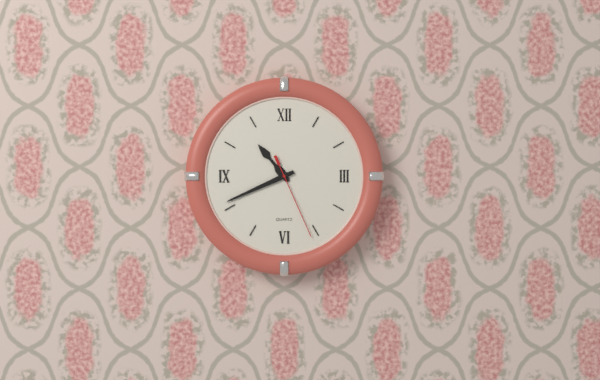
10:41:26
